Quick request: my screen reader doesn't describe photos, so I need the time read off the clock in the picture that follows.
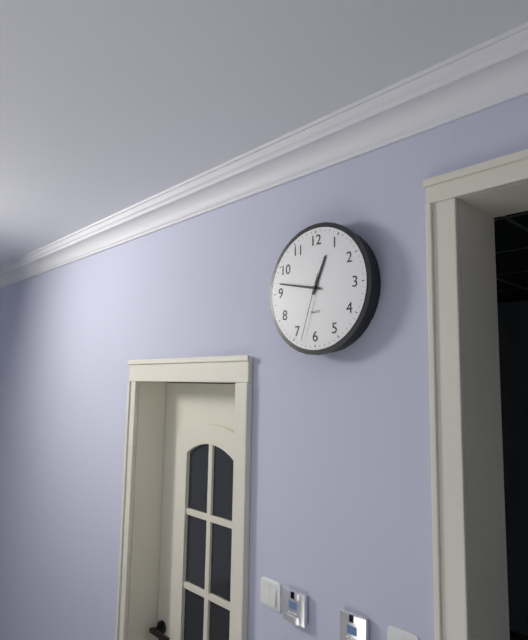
12:47:33
